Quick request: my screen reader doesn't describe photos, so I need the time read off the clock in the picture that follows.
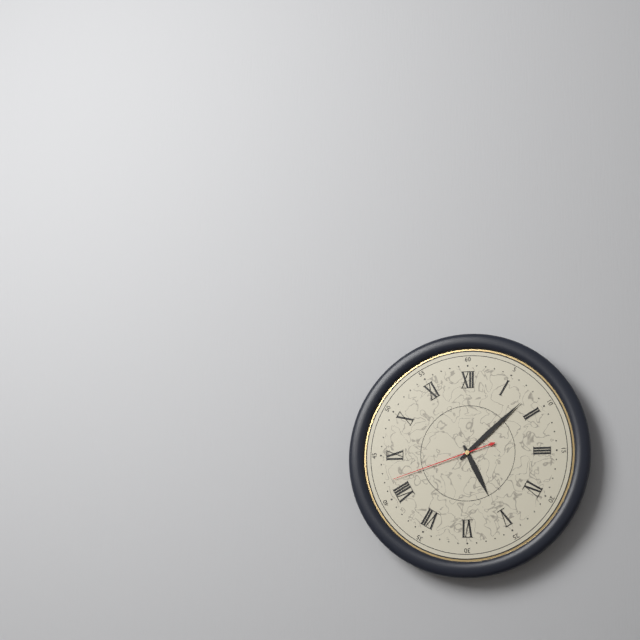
5:08:42
